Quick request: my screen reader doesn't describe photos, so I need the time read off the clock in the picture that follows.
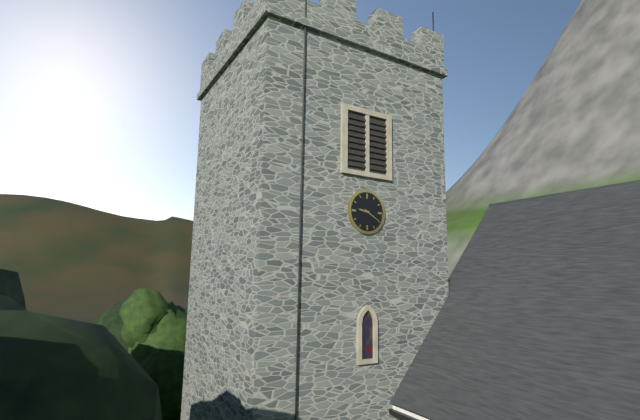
9:20
